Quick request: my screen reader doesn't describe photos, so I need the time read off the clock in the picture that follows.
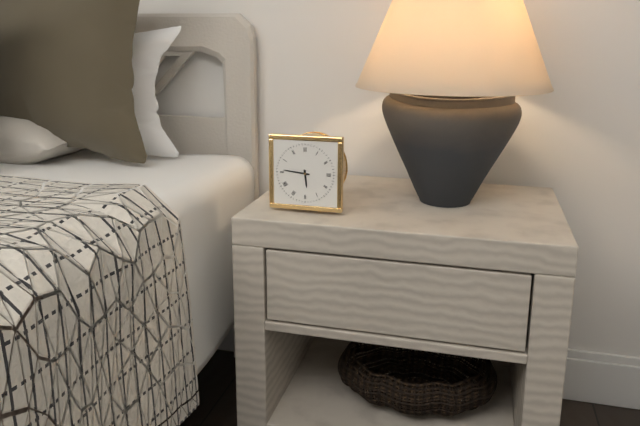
5:46
